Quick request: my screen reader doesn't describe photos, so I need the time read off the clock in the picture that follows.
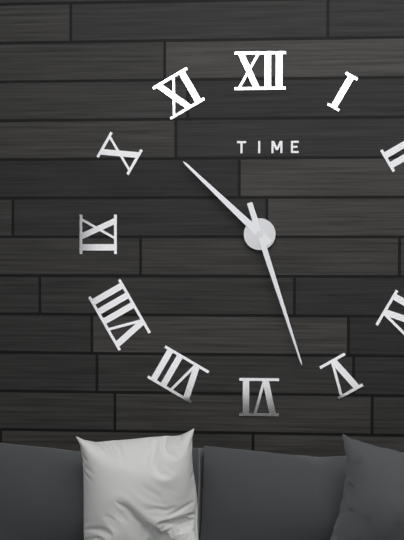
10:27
